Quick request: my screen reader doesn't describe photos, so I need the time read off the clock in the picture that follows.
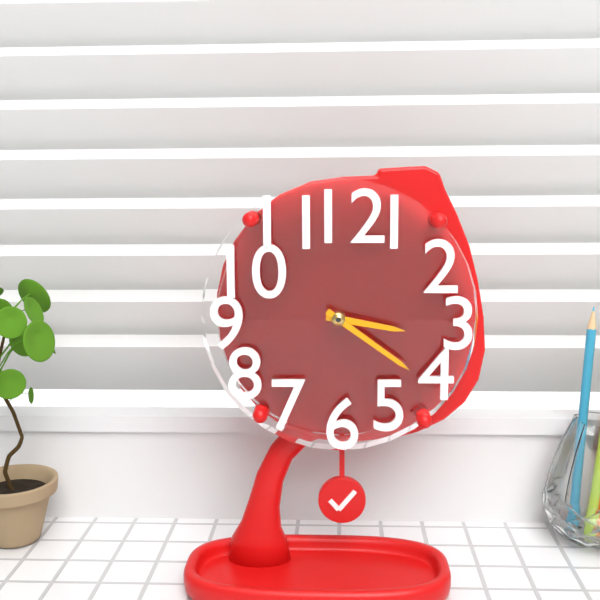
3:21
